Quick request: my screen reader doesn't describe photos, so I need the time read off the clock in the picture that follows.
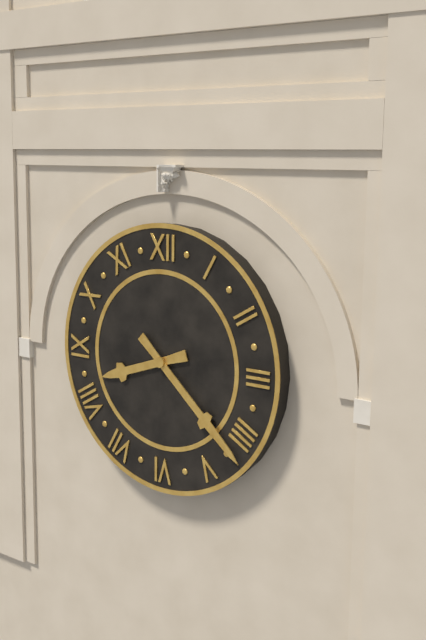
8:22
